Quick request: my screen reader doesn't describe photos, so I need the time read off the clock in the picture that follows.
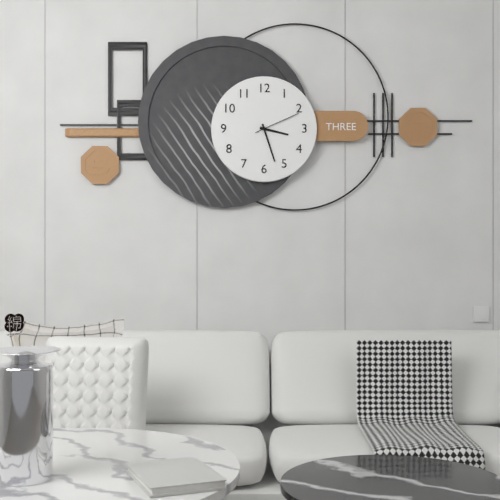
3:27
